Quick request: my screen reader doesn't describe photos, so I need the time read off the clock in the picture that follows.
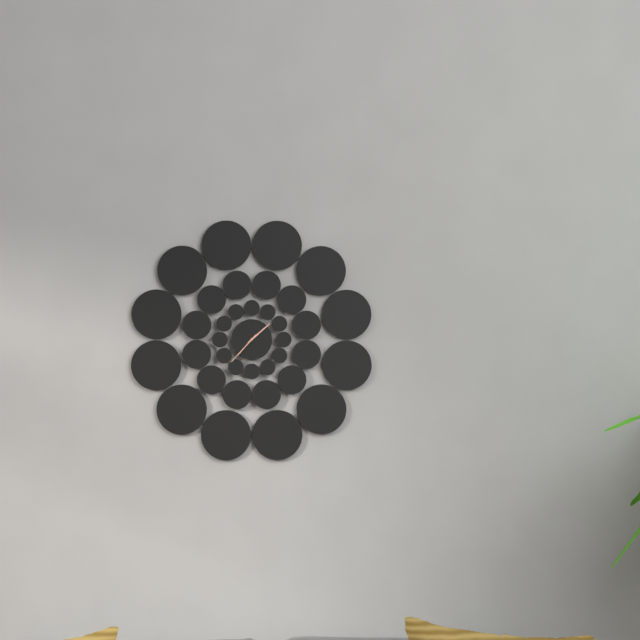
1:37
